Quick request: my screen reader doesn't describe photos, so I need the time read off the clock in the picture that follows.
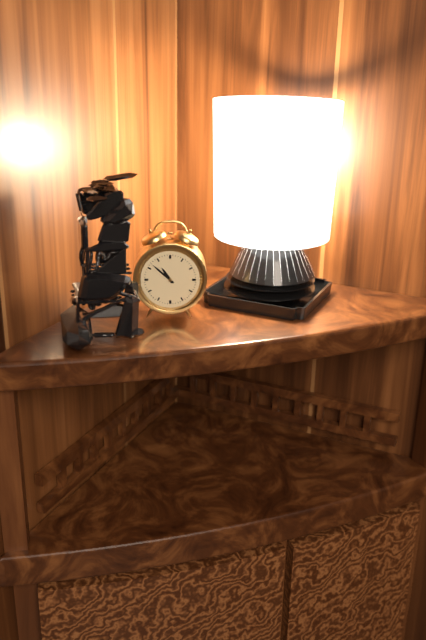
10:52
